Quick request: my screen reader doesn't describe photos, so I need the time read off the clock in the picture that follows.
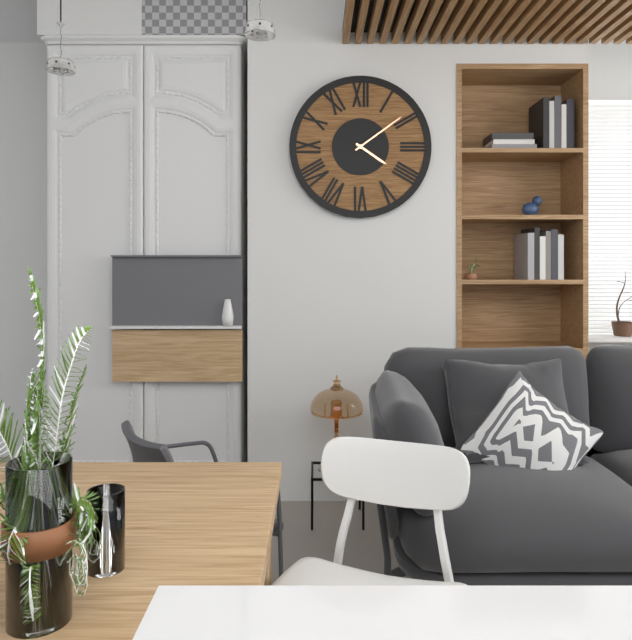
4:09
